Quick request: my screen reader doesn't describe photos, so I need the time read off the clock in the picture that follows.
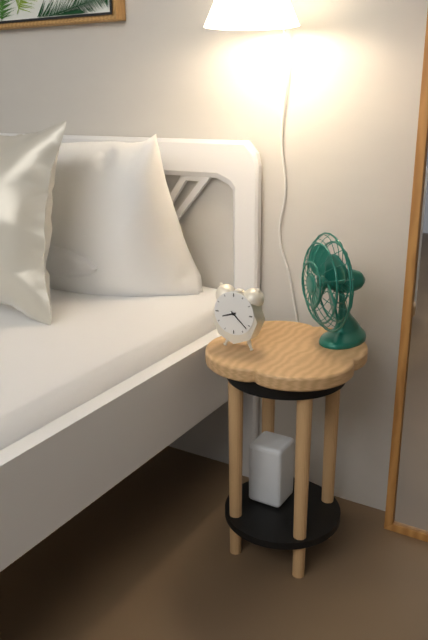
8:22
